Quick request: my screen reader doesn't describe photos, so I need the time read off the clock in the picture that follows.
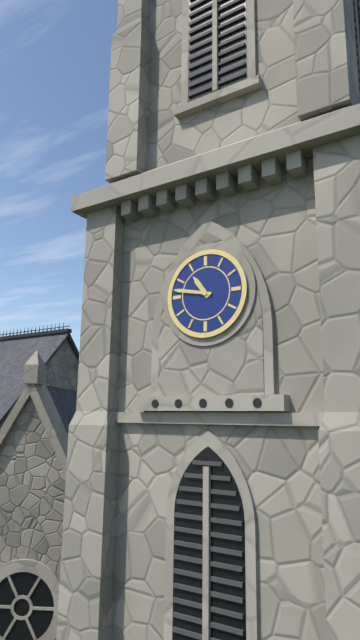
10:47
